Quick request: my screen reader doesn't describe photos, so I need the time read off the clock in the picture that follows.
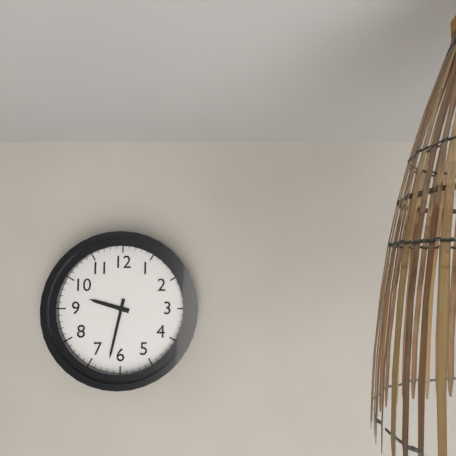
9:32
